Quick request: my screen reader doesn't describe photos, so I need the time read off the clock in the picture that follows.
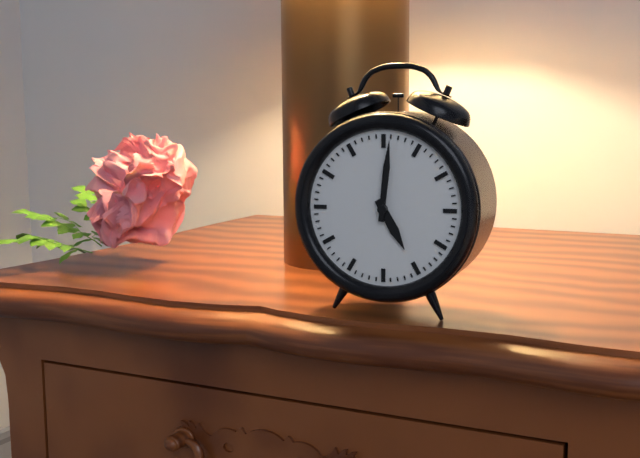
5:01
